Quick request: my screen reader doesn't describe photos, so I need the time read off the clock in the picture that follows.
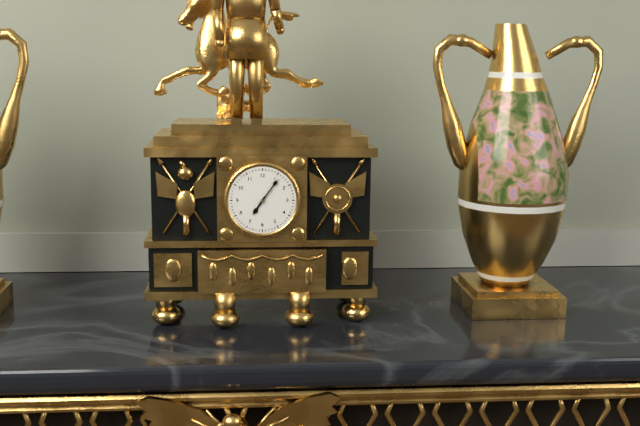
7:06
